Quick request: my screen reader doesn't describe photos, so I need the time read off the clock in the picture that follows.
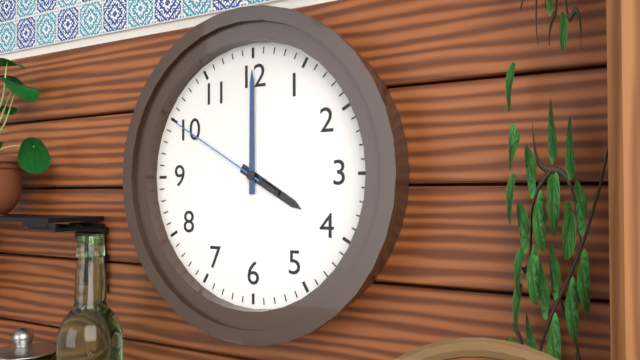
4:00:50
